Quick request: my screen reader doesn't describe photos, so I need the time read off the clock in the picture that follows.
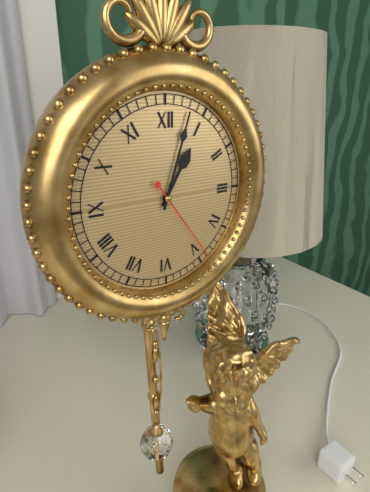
1:03:24
